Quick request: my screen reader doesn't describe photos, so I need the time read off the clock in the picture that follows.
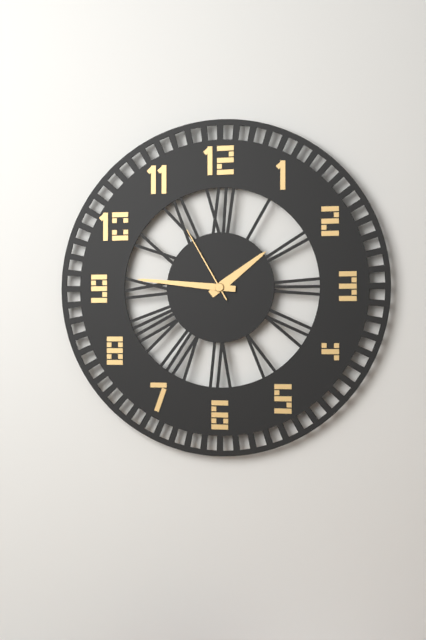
1:46:55
